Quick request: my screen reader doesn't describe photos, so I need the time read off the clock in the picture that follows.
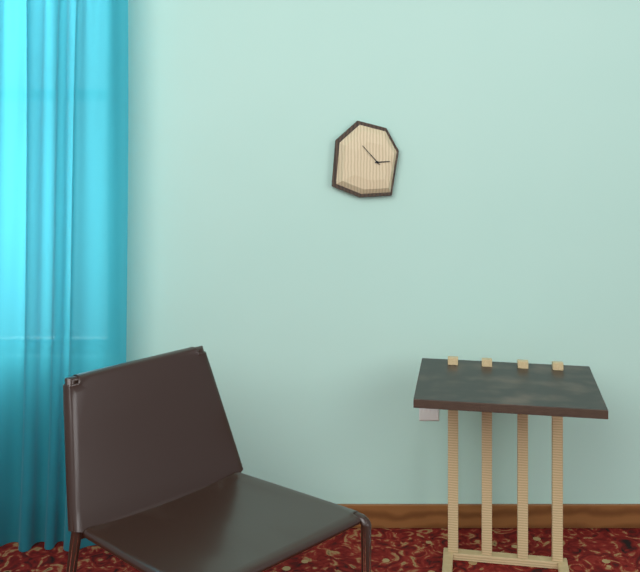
2:53
